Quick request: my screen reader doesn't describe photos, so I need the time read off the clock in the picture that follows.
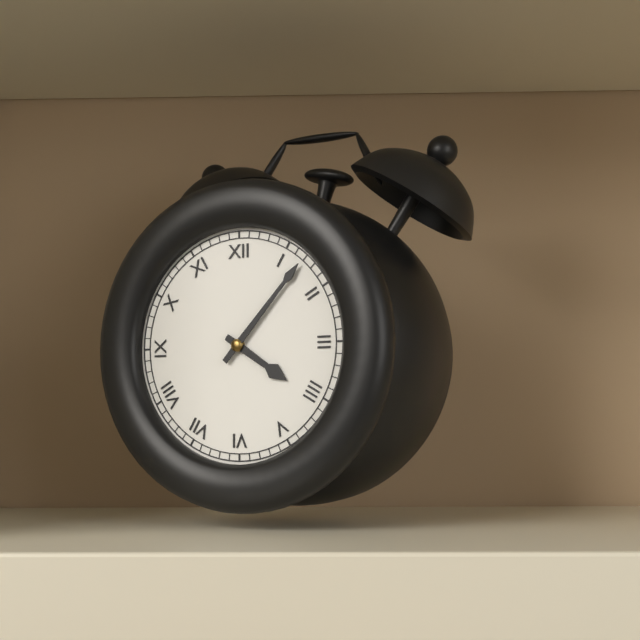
4:07
